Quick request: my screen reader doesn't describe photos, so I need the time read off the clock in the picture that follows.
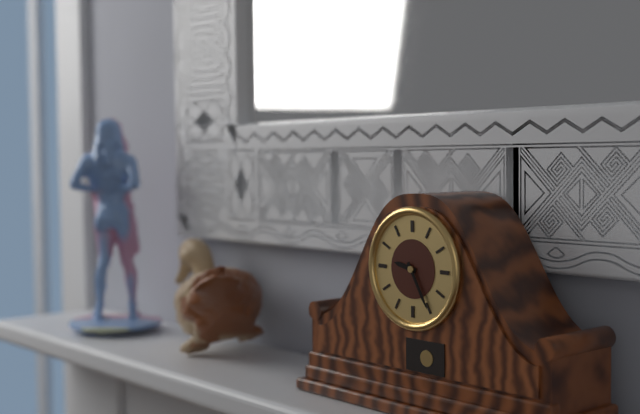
9:25
